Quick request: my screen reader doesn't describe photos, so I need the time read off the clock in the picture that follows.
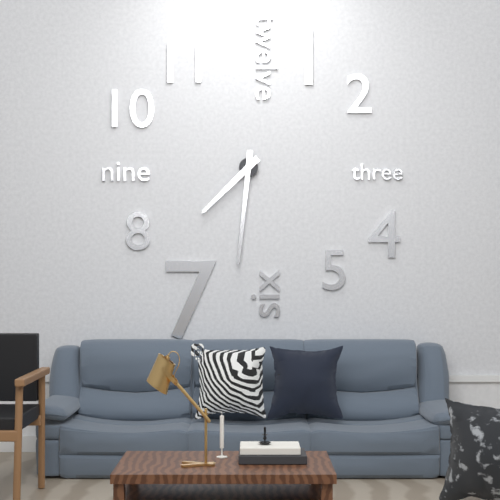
7:31
